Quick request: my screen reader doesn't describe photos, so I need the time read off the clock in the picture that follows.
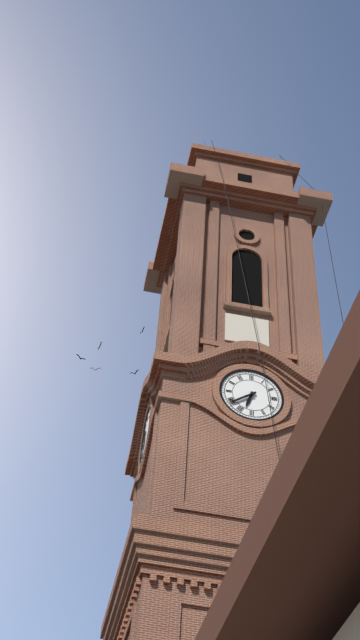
6:39
